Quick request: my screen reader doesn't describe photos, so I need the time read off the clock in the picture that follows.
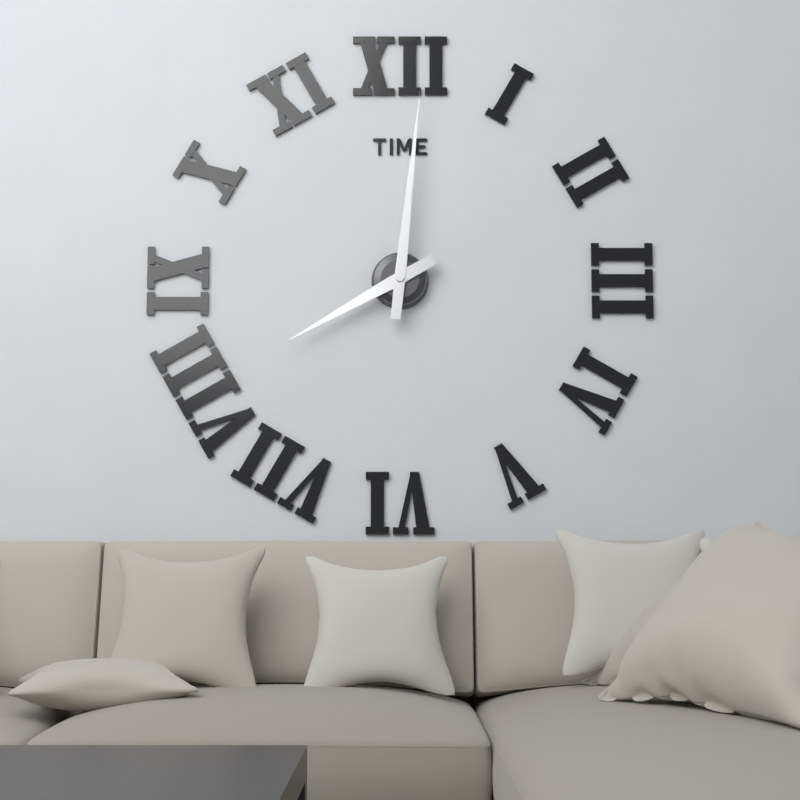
8:01
